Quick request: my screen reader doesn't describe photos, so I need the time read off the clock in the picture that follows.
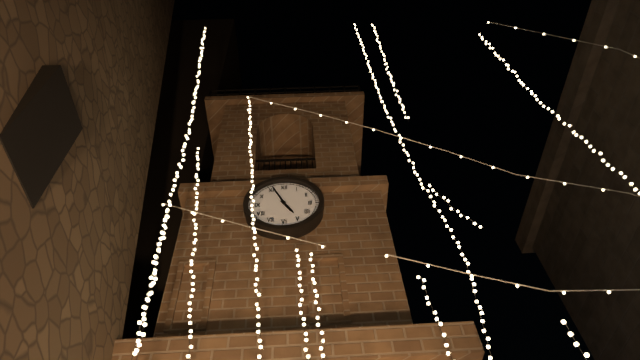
4:56
